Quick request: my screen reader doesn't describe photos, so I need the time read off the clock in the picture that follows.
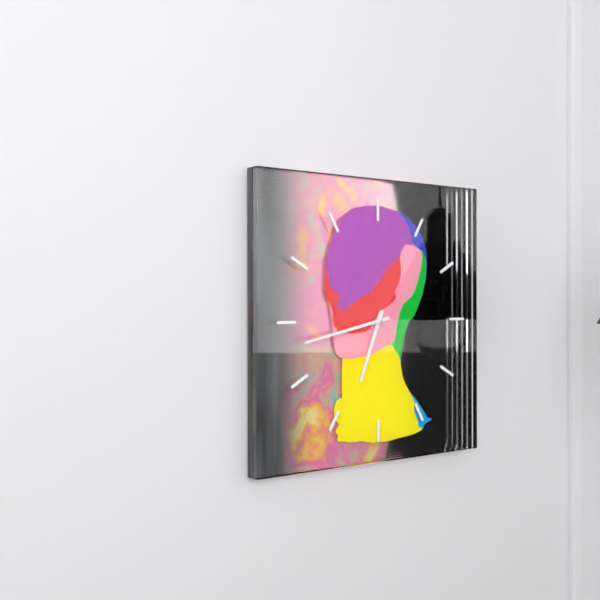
6:43
